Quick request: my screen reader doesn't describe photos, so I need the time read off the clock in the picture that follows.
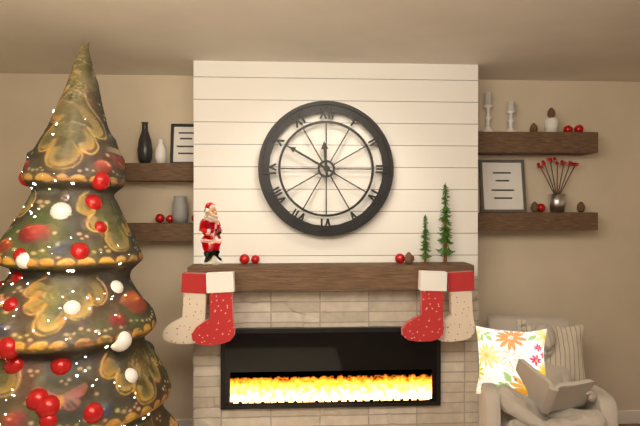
11:50
